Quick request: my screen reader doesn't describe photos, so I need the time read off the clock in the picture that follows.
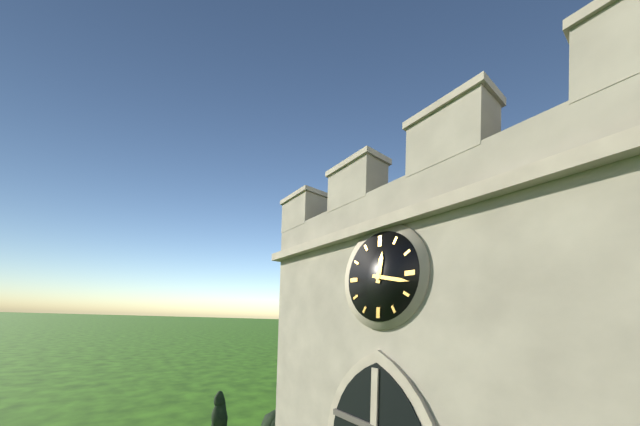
12:17
